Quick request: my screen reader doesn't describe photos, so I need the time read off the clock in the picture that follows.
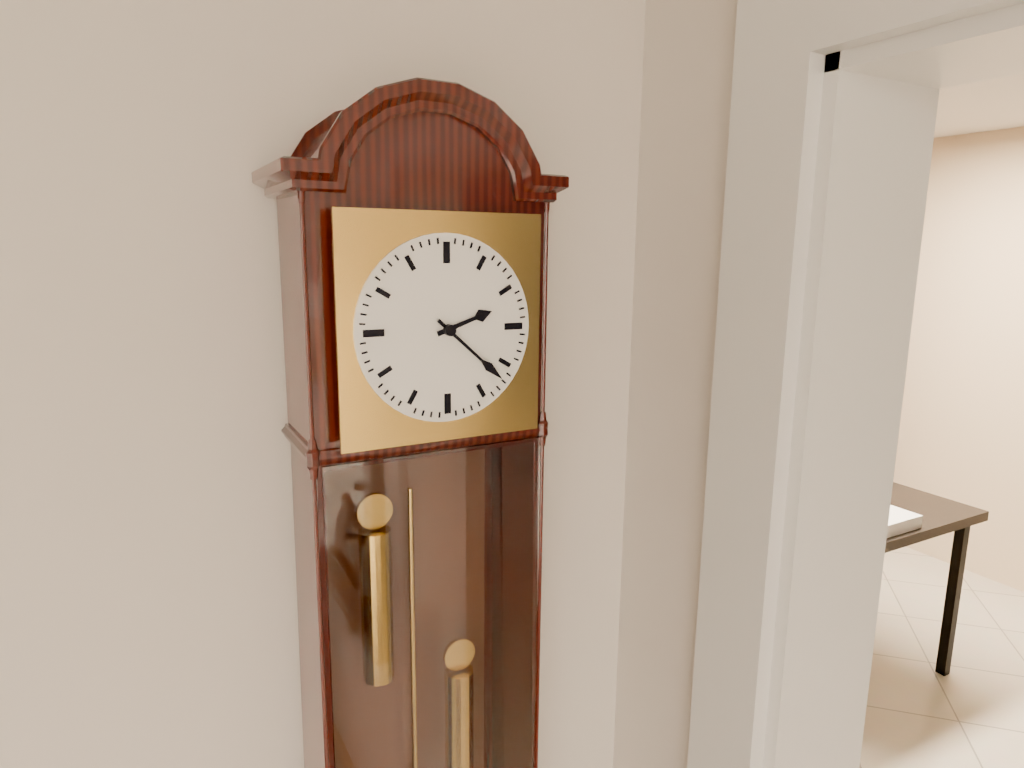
2:22
